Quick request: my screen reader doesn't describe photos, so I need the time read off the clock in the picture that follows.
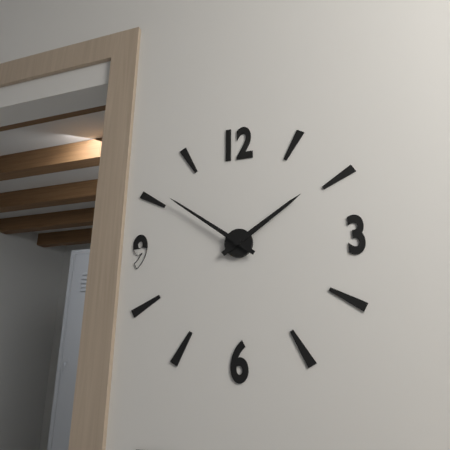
1:51
